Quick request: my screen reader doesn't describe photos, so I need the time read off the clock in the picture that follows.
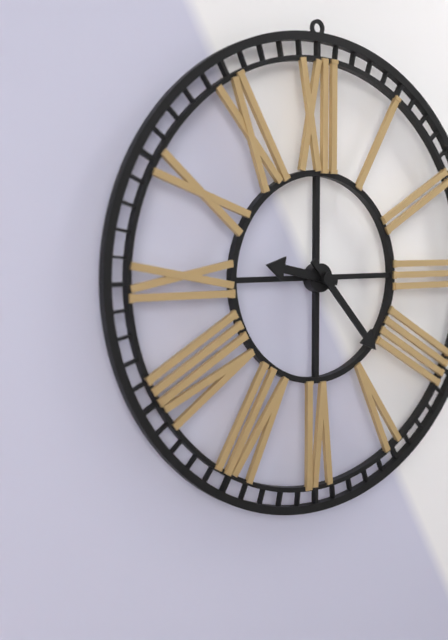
9:23
